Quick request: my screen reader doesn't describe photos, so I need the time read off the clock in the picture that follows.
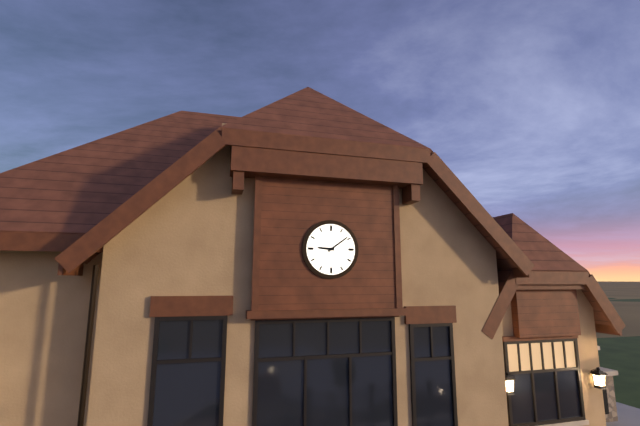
9:09
